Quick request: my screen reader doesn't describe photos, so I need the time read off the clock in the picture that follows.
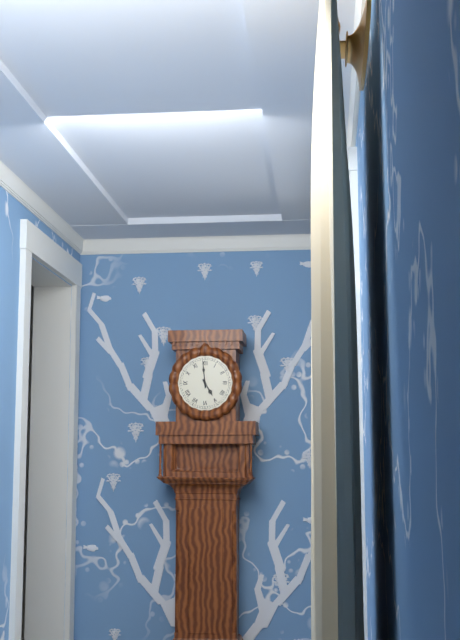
4:59
